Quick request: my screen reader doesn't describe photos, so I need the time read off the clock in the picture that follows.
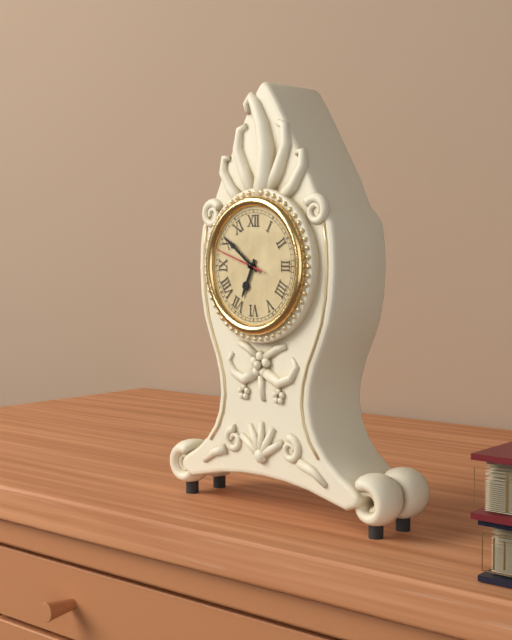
6:51
